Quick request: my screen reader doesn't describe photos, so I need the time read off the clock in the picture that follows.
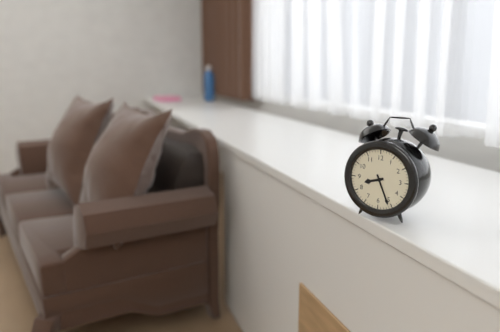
8:26
